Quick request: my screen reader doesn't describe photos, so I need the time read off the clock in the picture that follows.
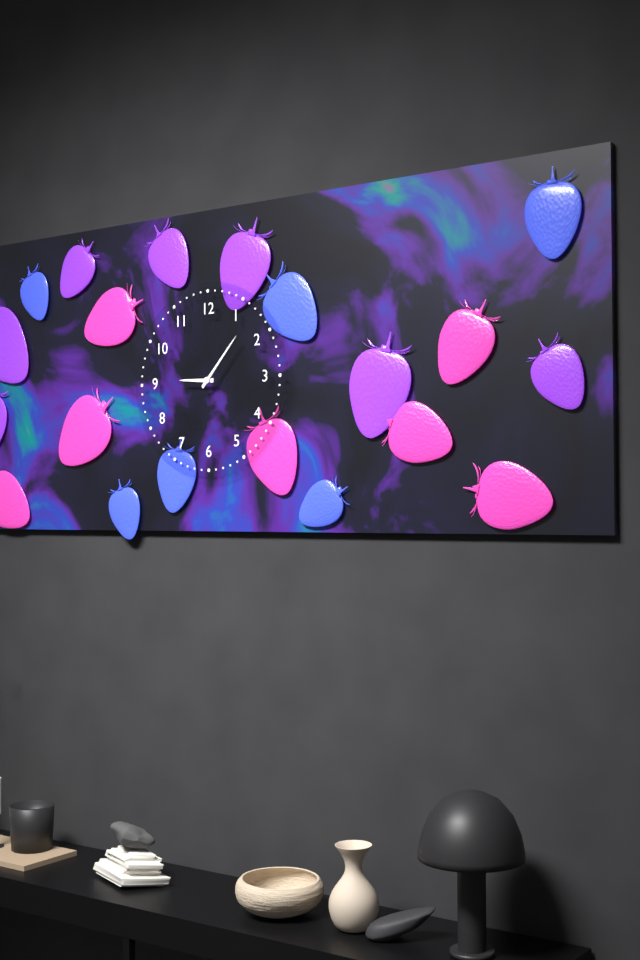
9:07
